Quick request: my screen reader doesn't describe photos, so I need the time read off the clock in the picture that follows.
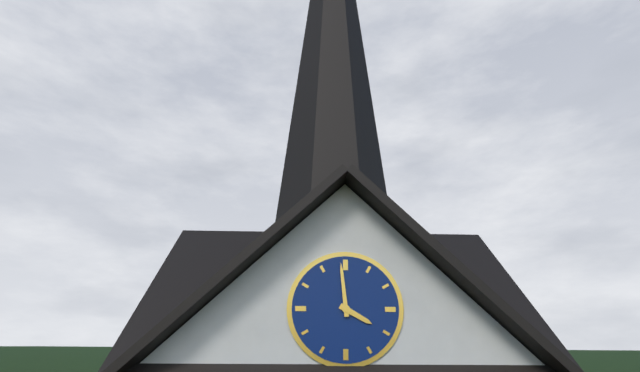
3:59
